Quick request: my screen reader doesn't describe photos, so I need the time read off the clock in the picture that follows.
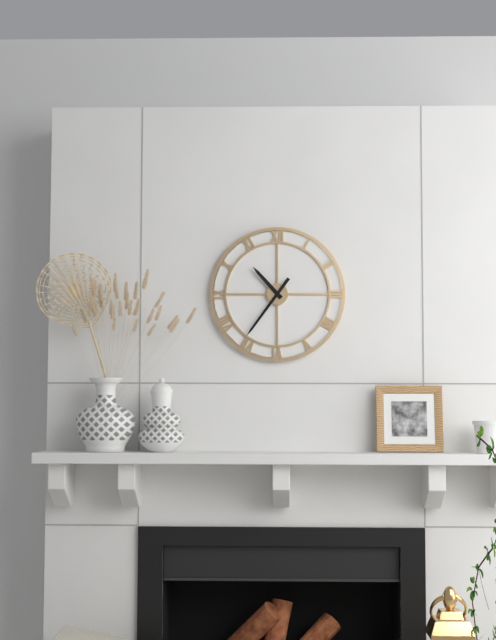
10:36
